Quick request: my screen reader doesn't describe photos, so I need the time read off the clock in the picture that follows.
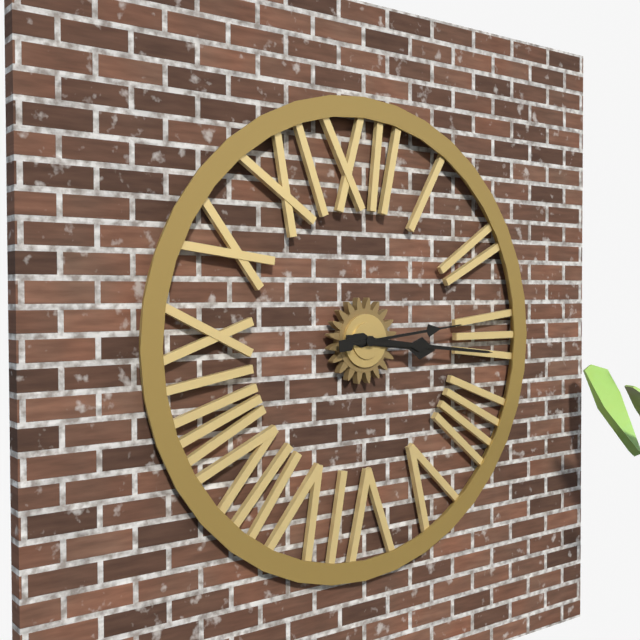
3:16:14
